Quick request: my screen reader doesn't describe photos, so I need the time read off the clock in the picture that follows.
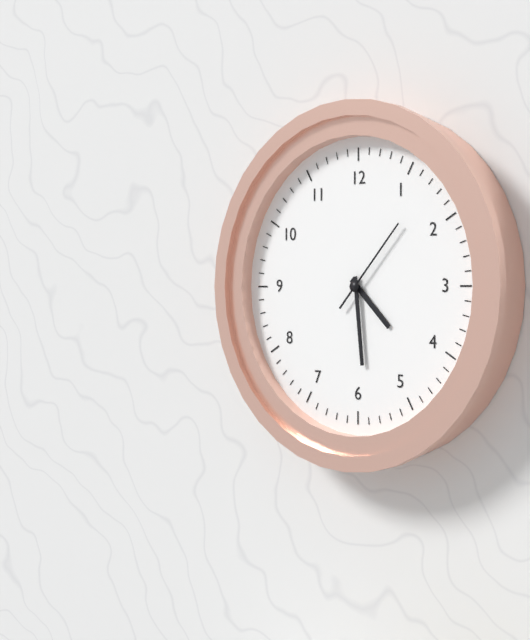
4:29:07
